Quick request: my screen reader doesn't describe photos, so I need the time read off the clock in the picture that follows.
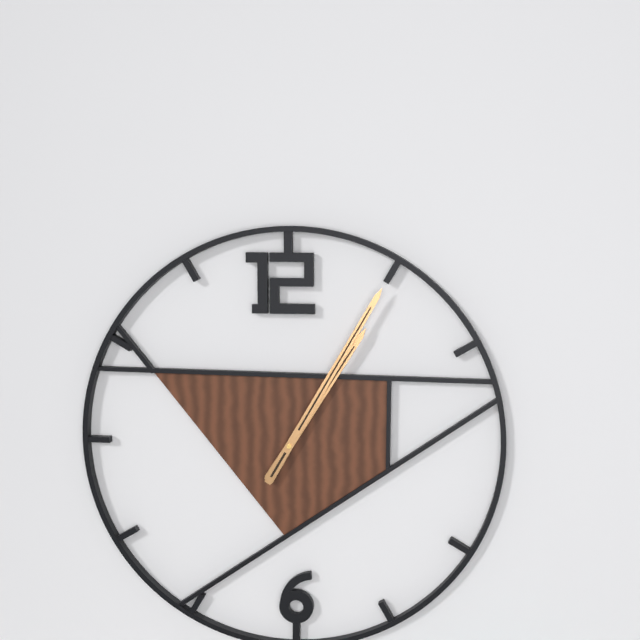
1:05
